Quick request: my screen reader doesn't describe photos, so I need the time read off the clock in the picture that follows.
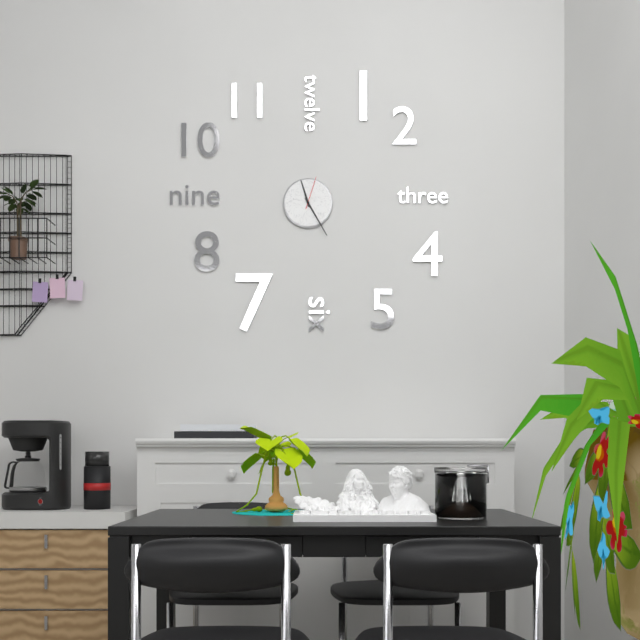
11:25
